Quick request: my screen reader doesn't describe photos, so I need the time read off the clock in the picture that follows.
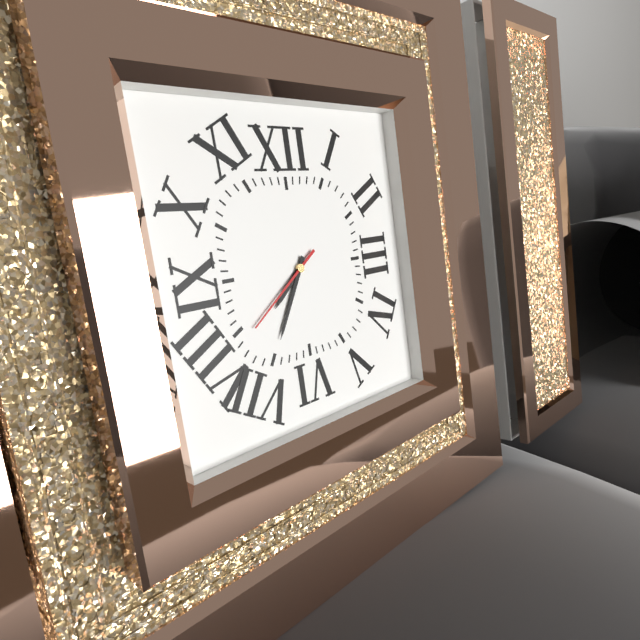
7:35:39
